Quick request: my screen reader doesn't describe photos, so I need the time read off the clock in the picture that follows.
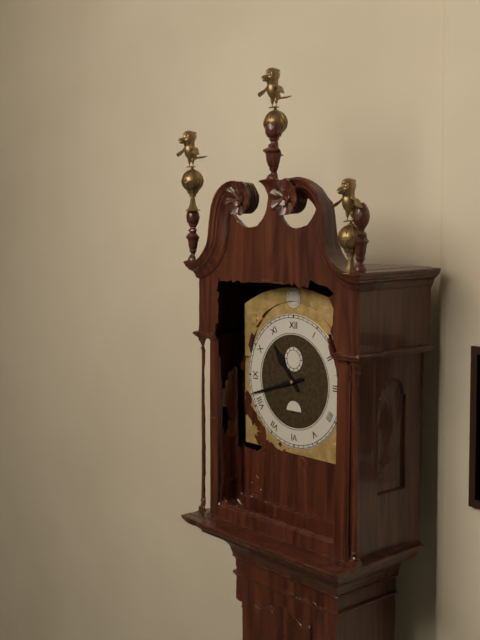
10:42
